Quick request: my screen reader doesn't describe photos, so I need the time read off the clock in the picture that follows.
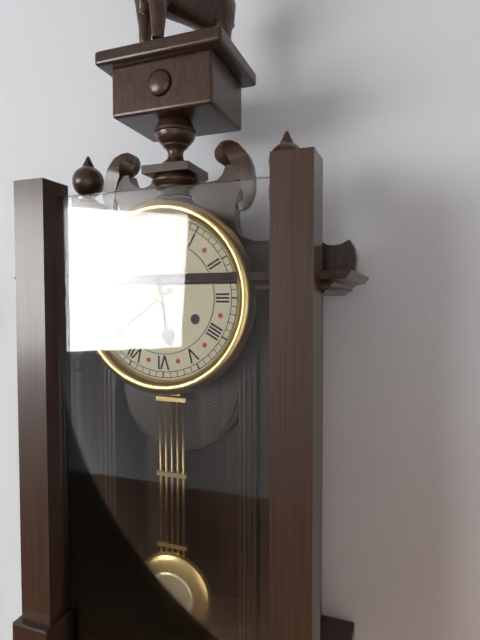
5:39
